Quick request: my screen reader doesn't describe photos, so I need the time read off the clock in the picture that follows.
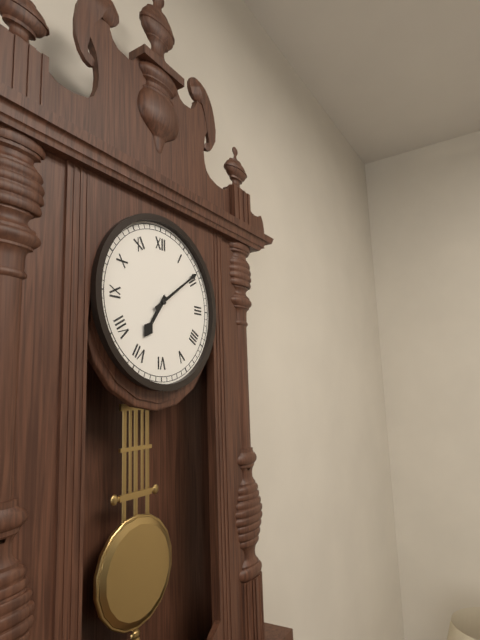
7:09
